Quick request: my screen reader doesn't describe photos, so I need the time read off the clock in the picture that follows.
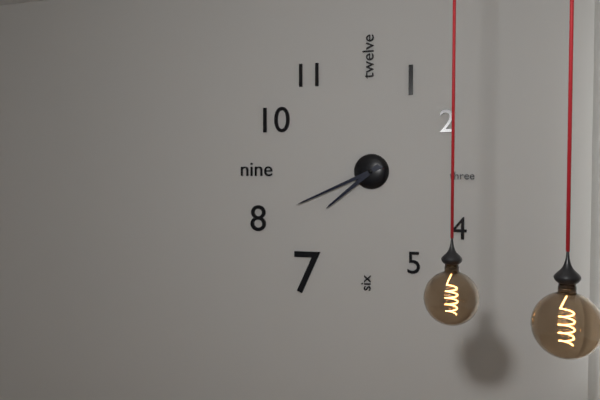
7:41
